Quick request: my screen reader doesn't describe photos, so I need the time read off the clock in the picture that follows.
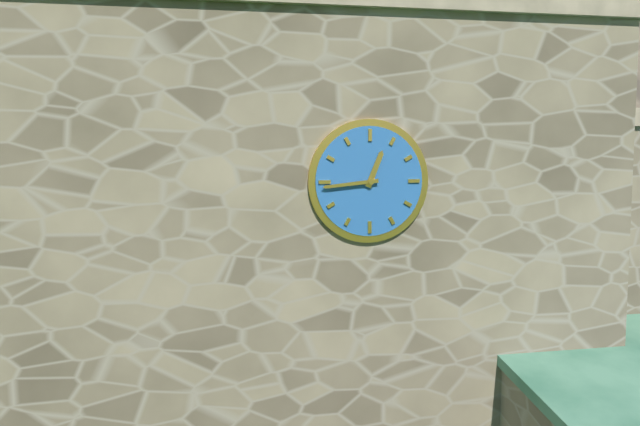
12:44
